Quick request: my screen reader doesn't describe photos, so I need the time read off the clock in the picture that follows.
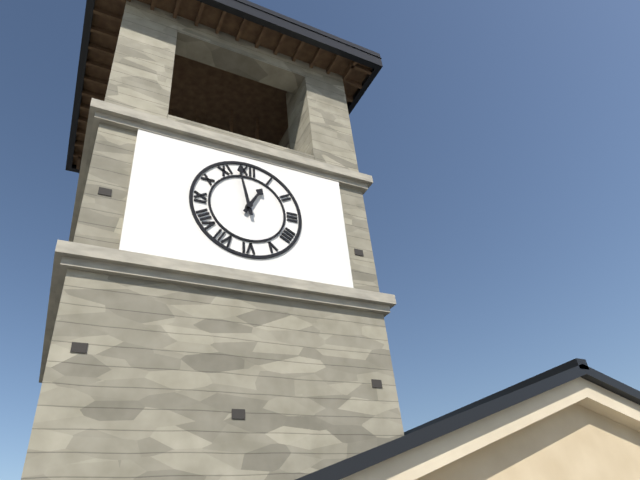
12:58
